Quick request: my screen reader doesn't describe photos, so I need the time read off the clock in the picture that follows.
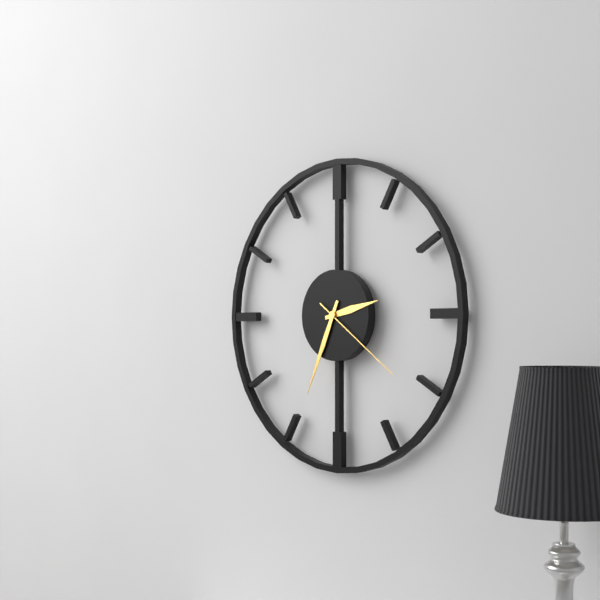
2:34:21
